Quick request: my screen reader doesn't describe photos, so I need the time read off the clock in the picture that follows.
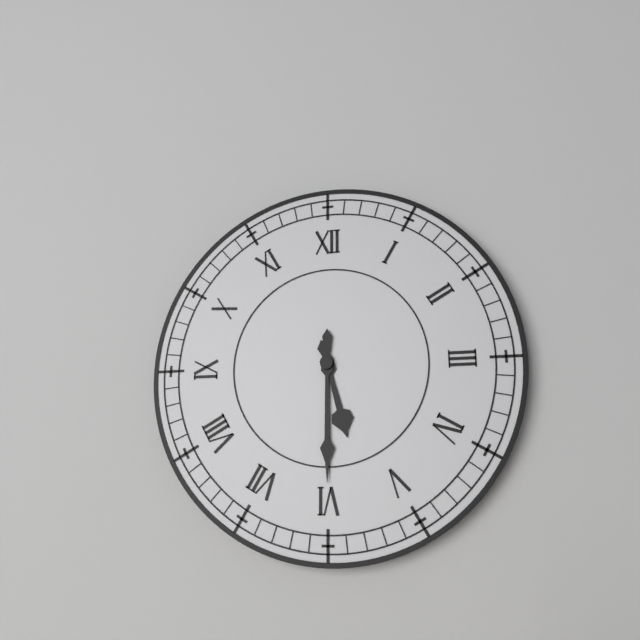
5:30
